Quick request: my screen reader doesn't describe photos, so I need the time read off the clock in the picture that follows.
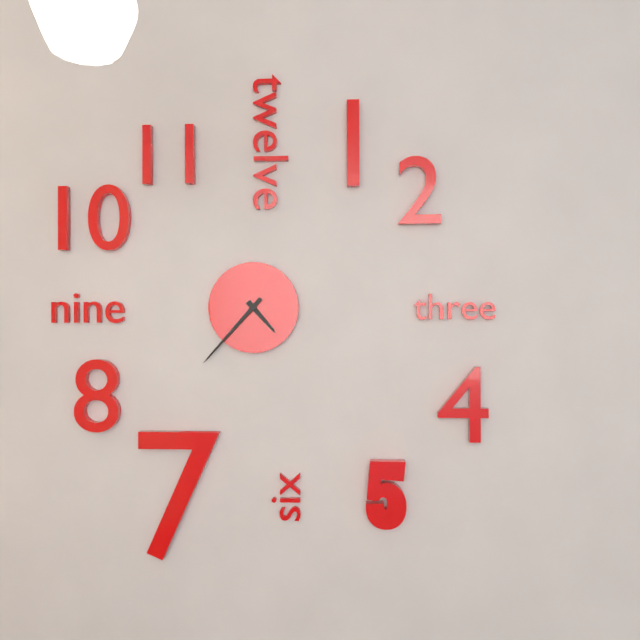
4:37
